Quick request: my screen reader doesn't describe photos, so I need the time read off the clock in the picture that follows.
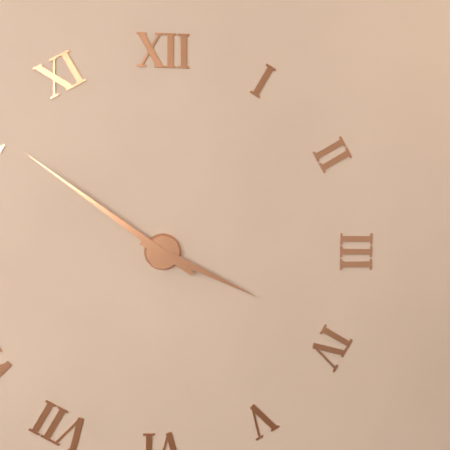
3:51
